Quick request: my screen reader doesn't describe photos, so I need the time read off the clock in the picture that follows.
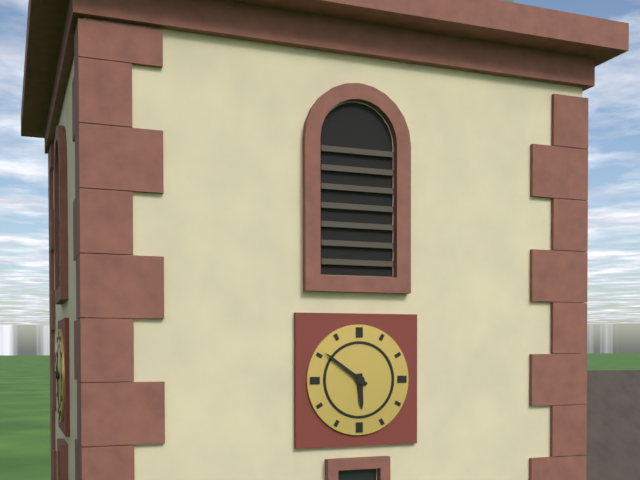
5:51
